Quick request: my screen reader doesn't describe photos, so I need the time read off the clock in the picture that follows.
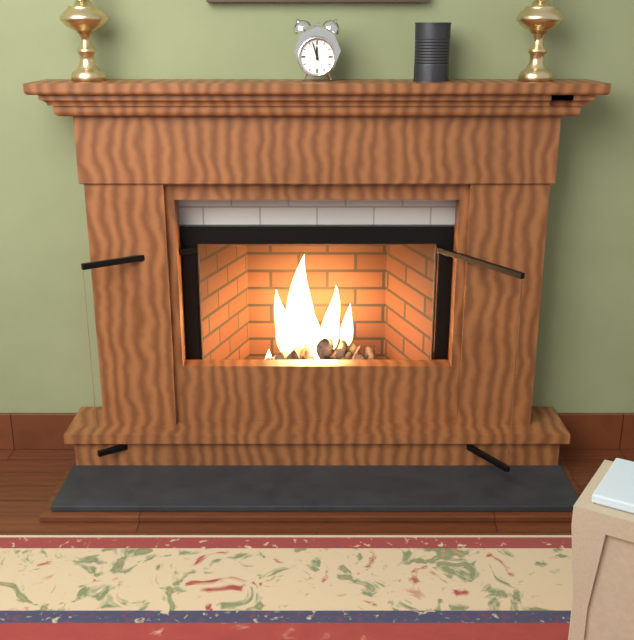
11:57
